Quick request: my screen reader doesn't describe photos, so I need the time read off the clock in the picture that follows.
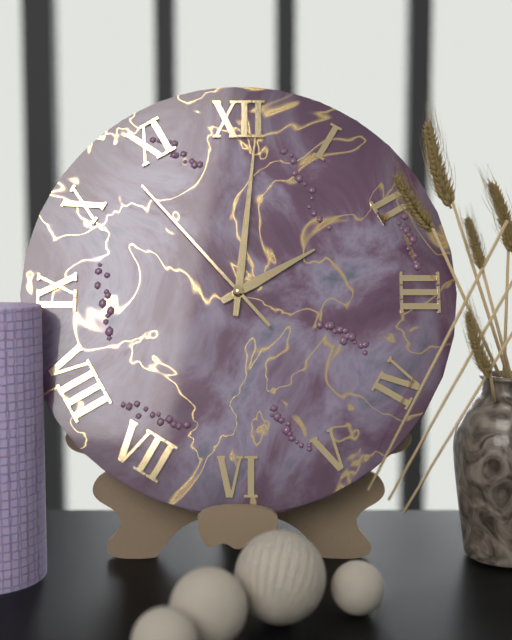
2:01:53
